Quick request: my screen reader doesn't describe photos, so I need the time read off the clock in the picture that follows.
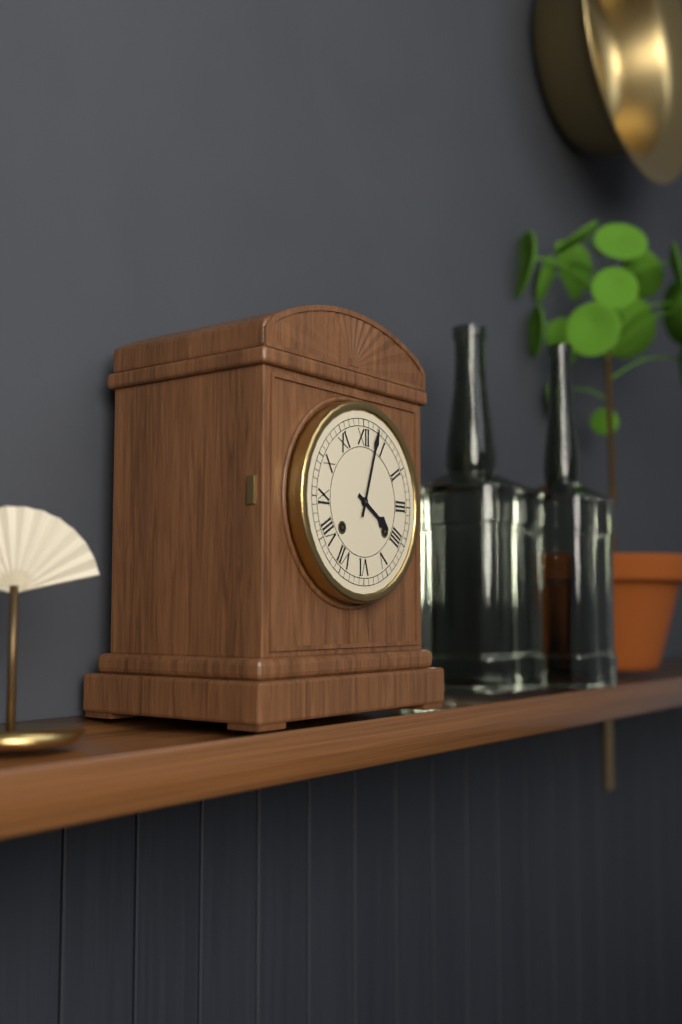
4:03
